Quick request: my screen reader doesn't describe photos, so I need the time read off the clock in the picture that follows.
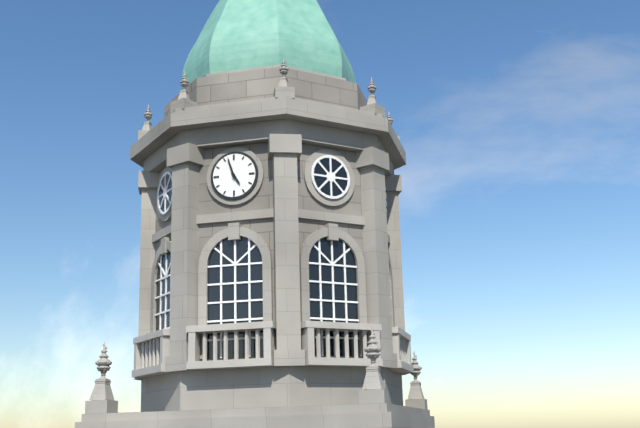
4:57
